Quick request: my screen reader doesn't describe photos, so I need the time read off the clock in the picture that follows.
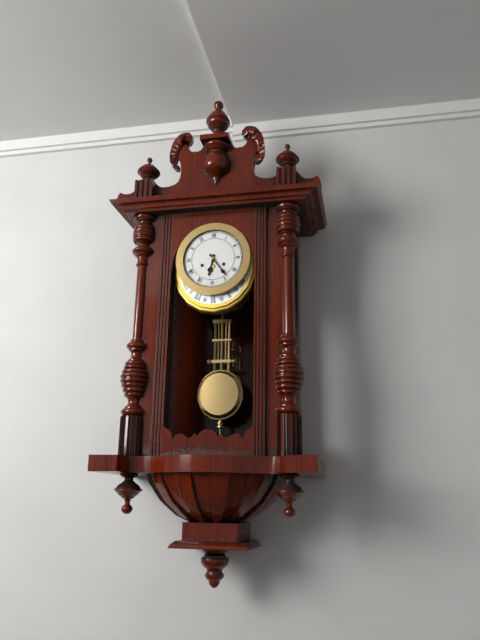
6:24
